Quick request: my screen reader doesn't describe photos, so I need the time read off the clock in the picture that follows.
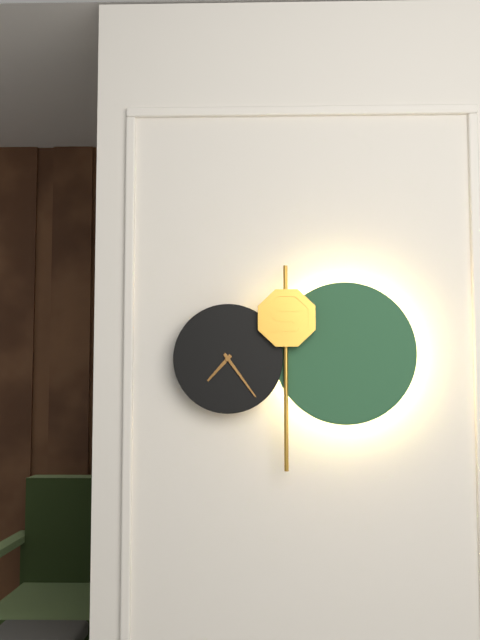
7:24
